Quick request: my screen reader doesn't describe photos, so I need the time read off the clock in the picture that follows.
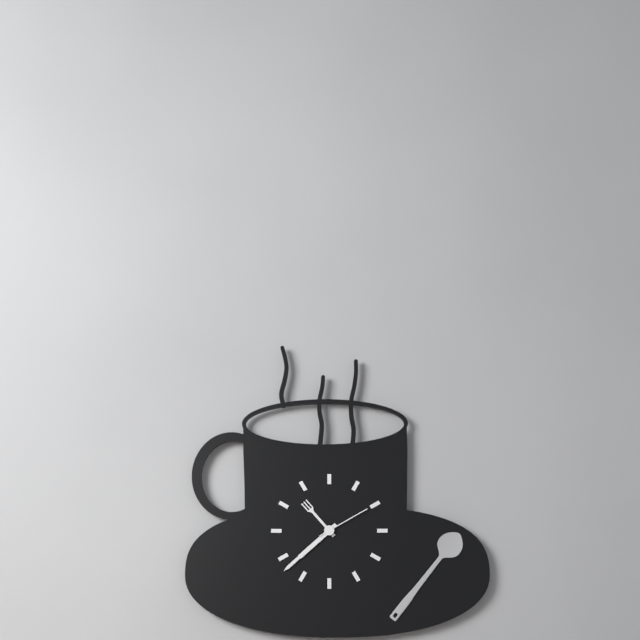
10:38:10
